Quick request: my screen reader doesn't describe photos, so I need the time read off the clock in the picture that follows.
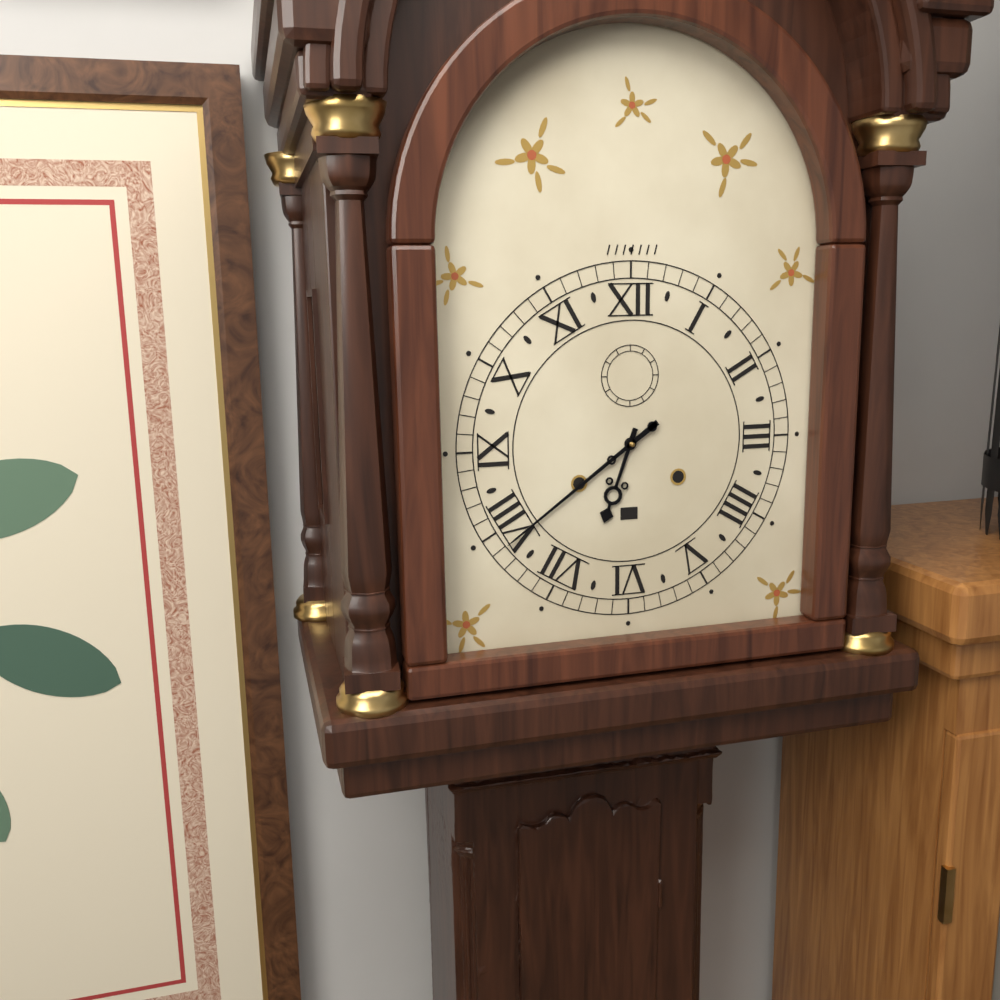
6:39
